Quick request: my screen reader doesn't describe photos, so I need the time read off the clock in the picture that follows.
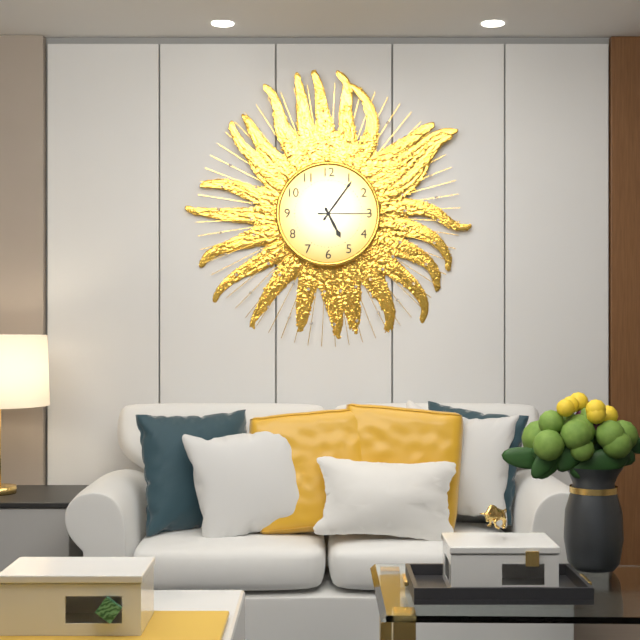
5:06:15
